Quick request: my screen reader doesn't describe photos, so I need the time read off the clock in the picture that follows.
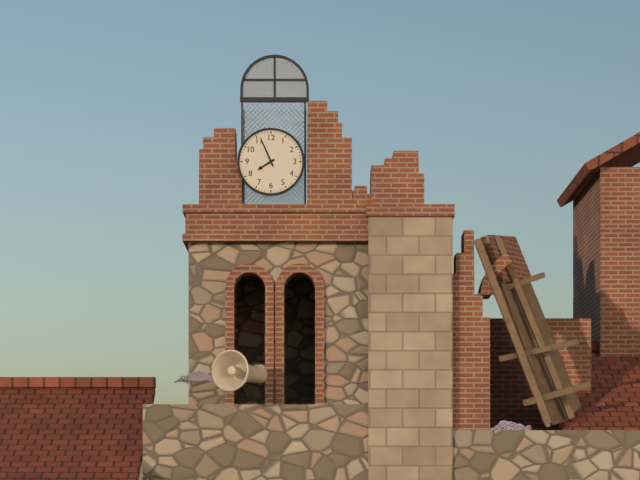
7:56
